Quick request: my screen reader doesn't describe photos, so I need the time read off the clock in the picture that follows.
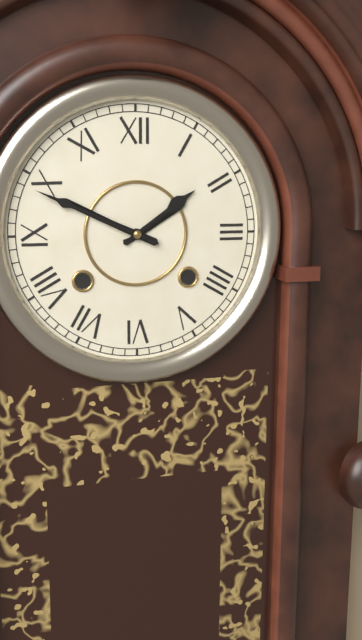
1:49
